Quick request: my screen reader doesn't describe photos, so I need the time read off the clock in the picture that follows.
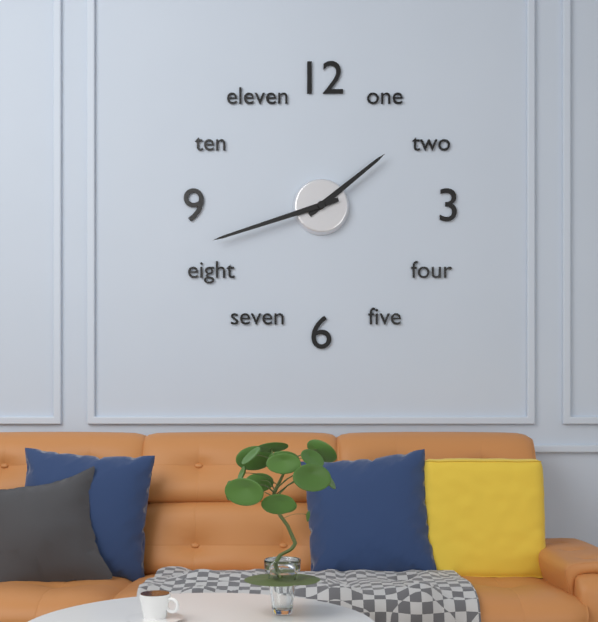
1:42
